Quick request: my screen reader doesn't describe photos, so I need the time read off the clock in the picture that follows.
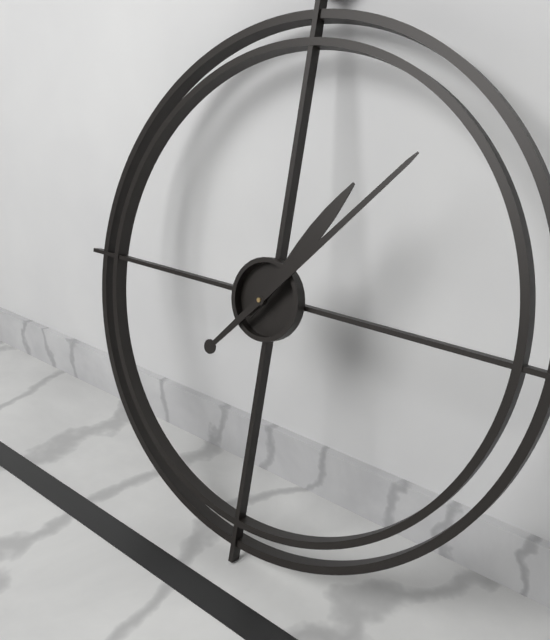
1:07
